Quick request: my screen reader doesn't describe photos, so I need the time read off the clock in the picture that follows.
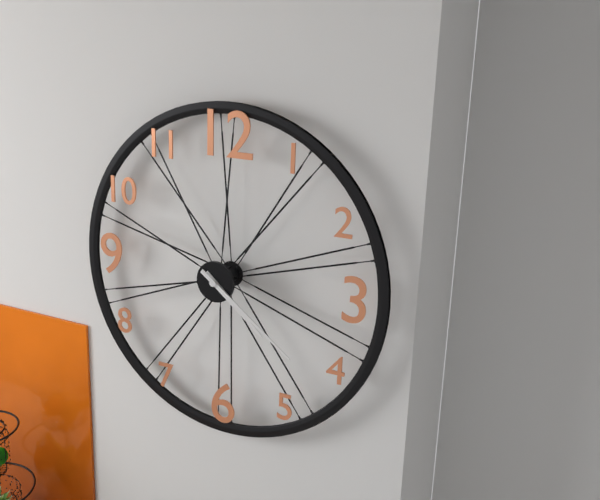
4:21
